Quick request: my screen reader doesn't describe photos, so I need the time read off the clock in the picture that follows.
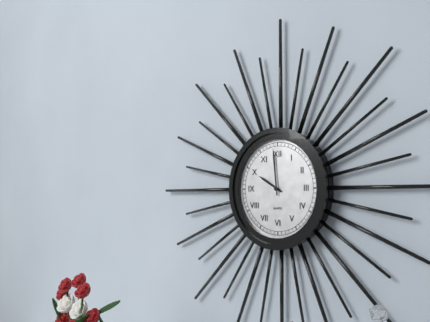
9:59
